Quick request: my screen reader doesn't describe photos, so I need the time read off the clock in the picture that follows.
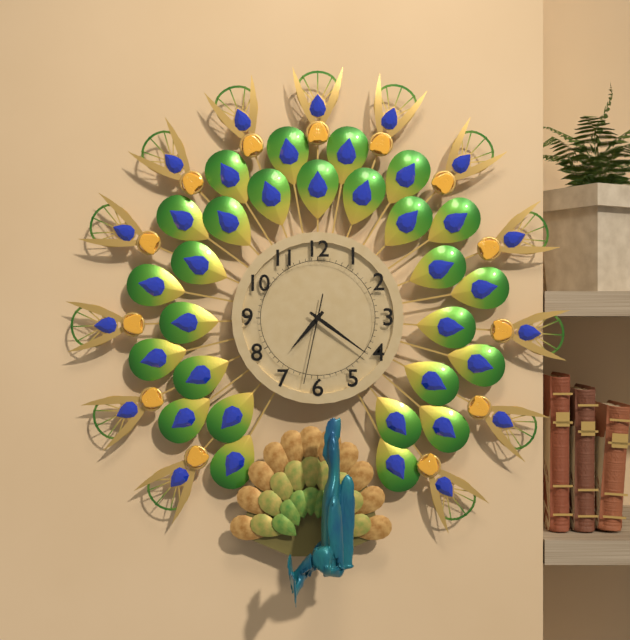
7:21:32
